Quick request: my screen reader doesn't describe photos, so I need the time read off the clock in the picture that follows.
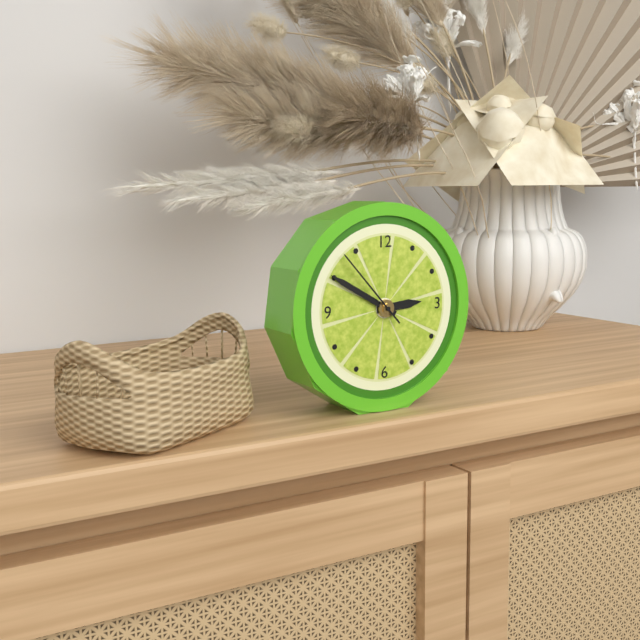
2:50:53
